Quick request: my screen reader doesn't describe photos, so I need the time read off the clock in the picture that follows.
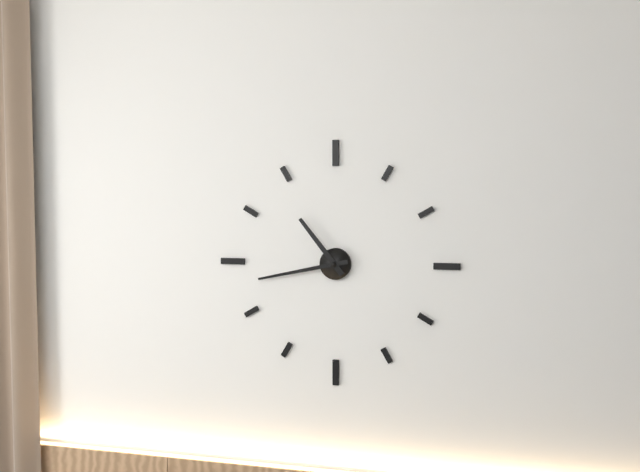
10:43
